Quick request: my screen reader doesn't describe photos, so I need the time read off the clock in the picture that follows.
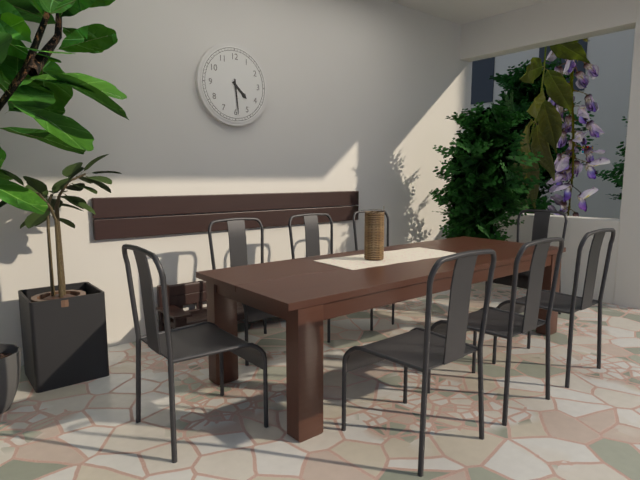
4:29
